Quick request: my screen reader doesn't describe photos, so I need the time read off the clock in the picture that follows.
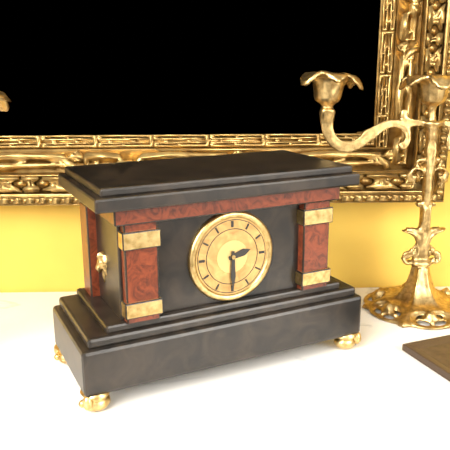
2:30
